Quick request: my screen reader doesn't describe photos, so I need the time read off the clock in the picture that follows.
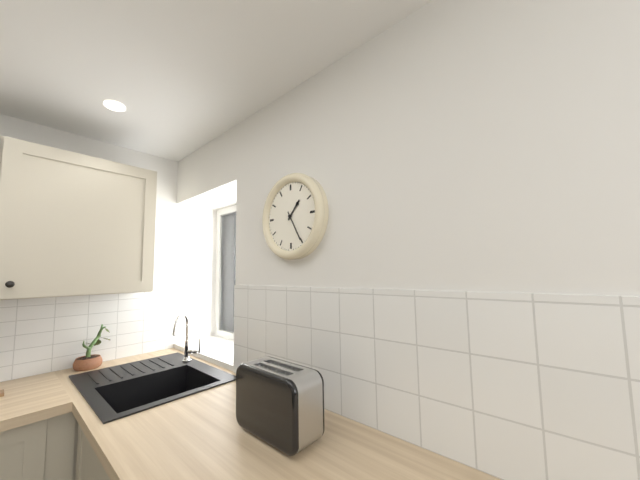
1:25
